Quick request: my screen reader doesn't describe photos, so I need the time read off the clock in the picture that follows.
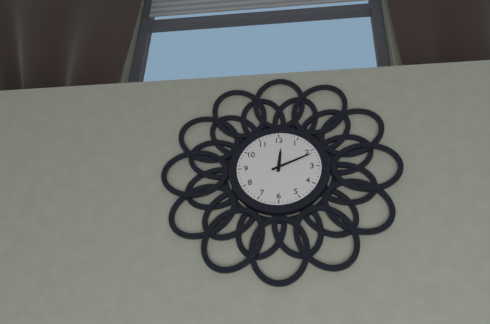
12:11
